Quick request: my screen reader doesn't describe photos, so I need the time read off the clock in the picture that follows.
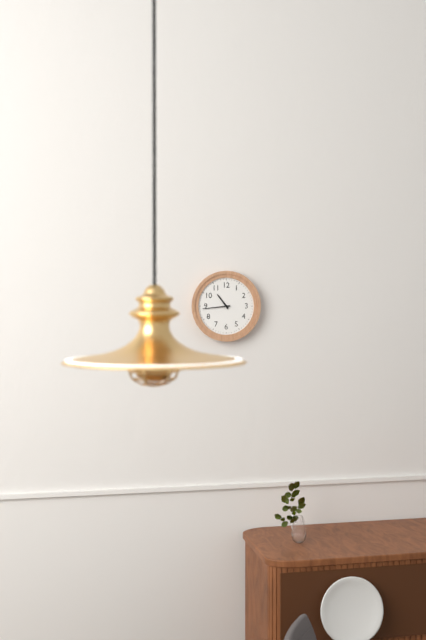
10:44
